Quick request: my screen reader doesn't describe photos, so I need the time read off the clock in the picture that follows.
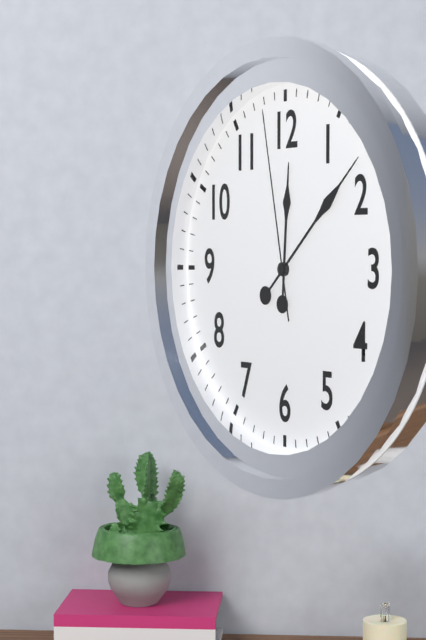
12:08:58
